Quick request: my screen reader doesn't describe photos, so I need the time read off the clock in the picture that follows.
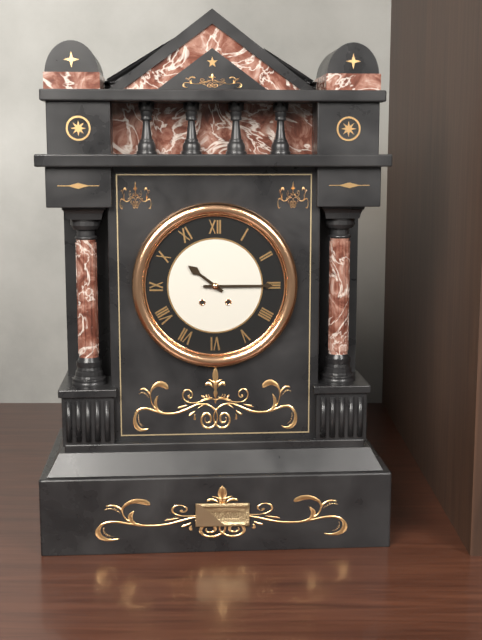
10:15
